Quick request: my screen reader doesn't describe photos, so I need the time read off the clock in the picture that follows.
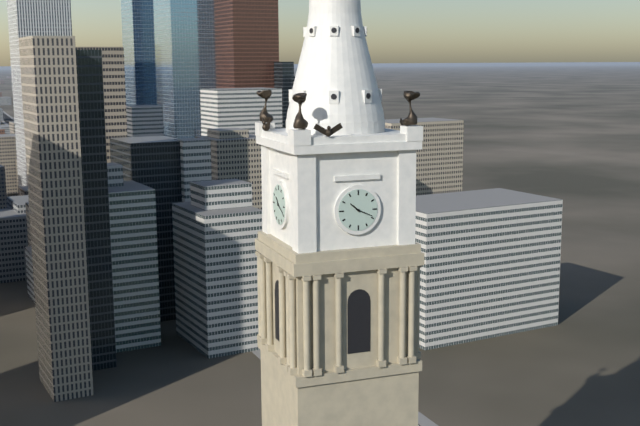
10:19
